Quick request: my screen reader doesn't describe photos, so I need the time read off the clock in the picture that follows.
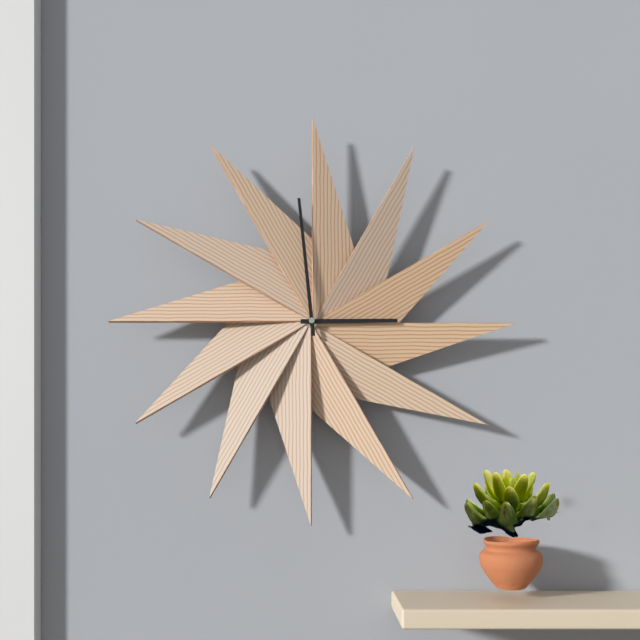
2:59
